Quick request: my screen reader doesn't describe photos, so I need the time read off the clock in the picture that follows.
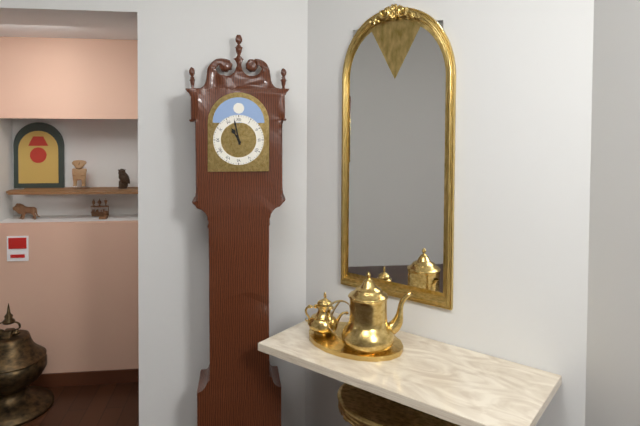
10:58
